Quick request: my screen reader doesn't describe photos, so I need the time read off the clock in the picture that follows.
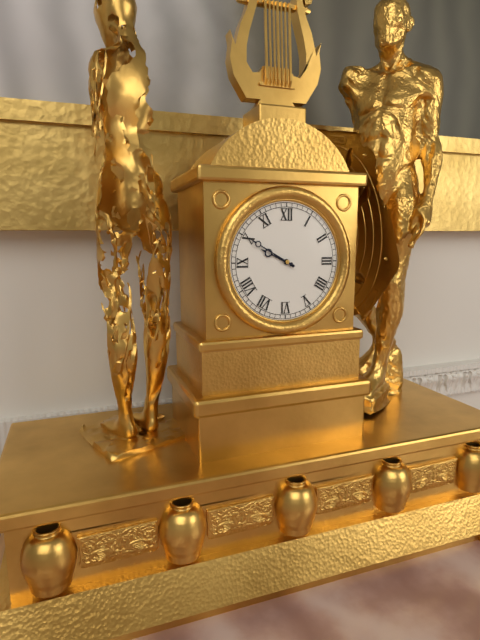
9:50
